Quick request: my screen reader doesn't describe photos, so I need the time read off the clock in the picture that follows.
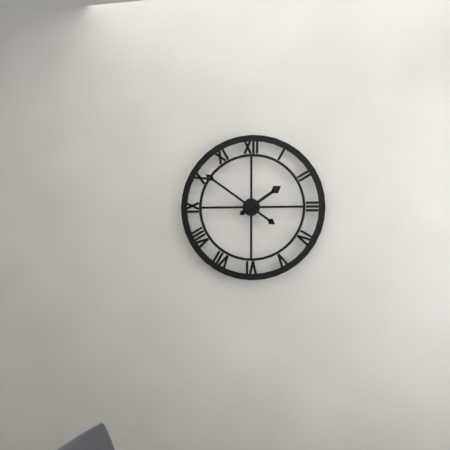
1:51
